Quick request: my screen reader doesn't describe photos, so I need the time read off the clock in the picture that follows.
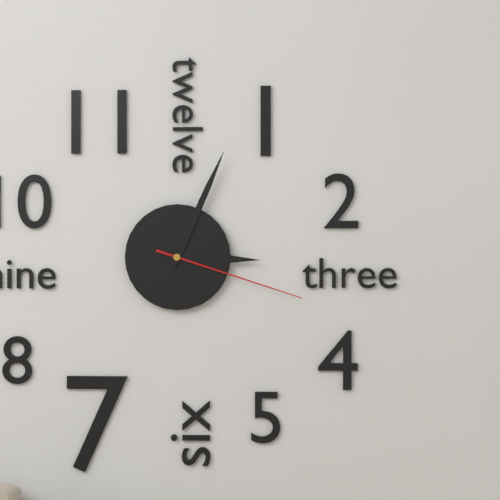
3:04:18
